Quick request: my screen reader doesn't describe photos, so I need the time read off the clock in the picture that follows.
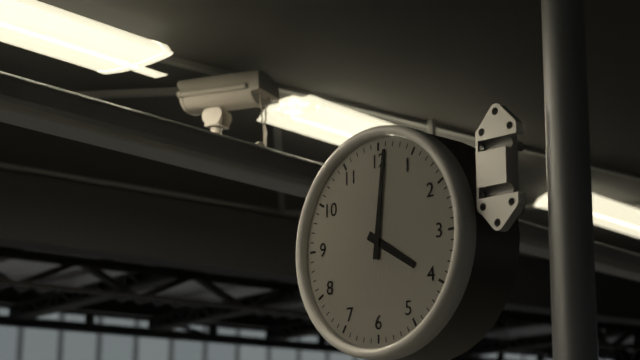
4:01
